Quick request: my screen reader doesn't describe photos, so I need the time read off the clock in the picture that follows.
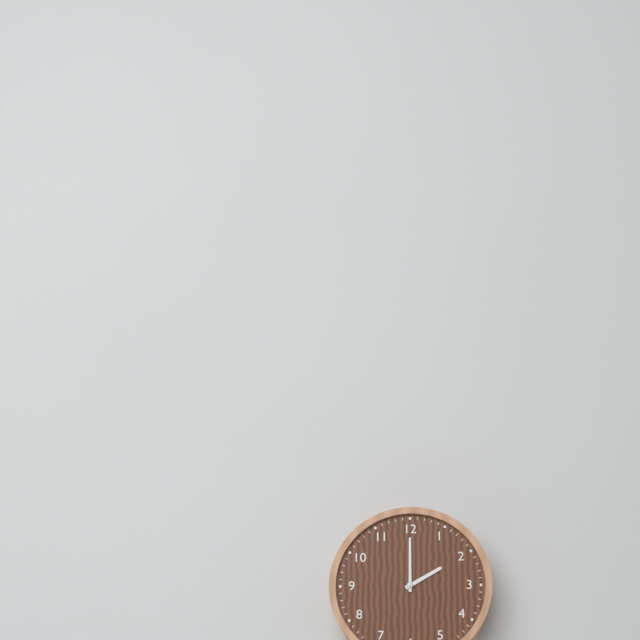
2:00
